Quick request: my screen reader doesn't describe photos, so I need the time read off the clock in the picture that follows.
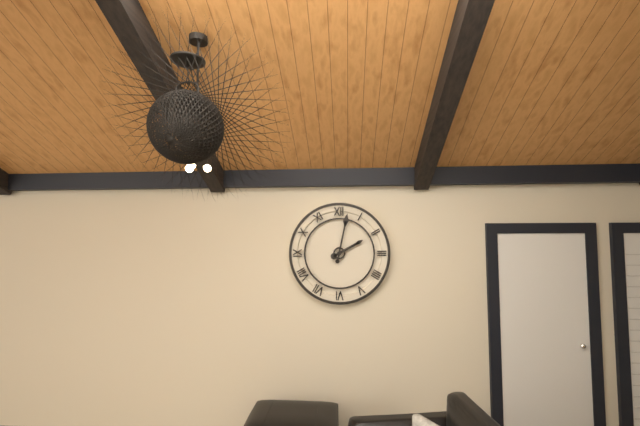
2:02
